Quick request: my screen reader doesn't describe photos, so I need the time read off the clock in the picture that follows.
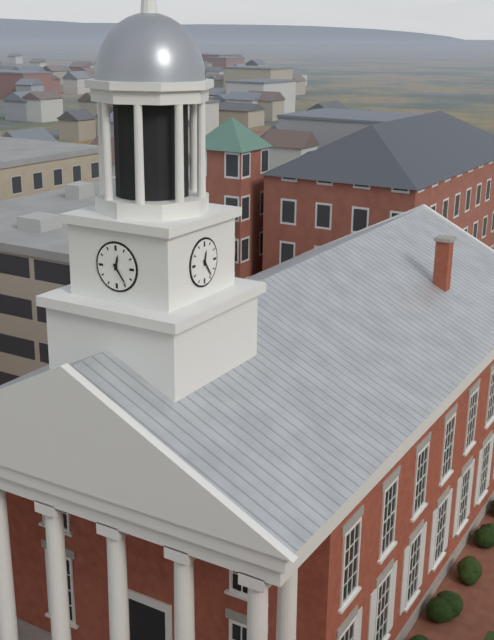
12:24
